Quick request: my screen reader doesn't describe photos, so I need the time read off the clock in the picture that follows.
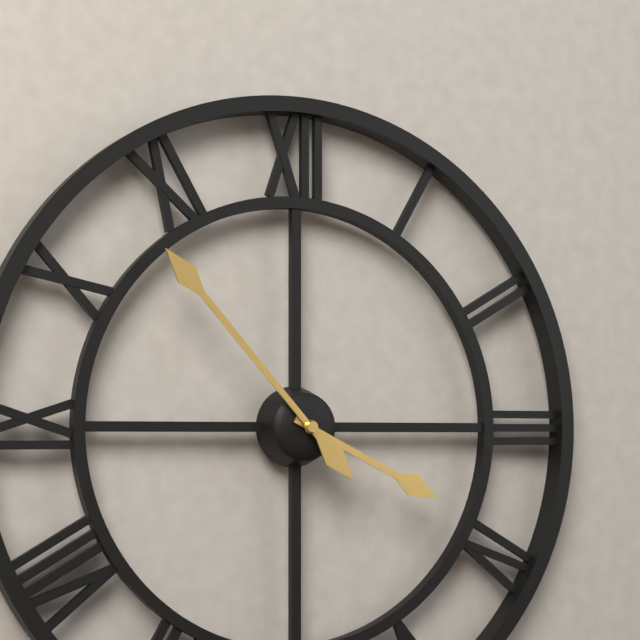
3:53
